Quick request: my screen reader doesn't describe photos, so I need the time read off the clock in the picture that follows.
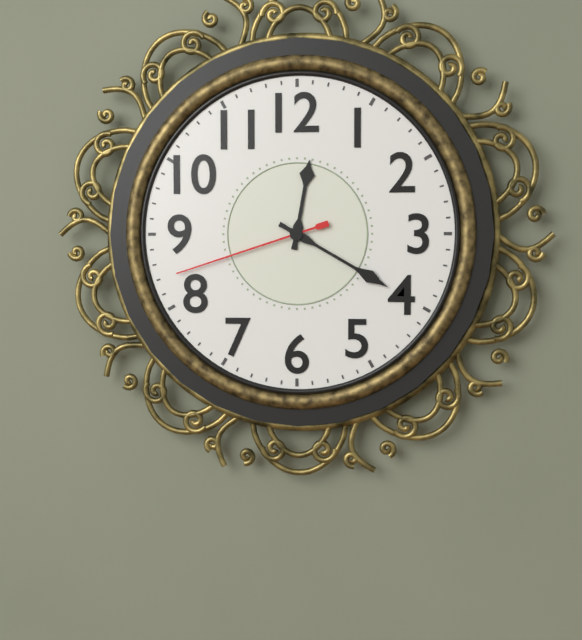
12:20:42
